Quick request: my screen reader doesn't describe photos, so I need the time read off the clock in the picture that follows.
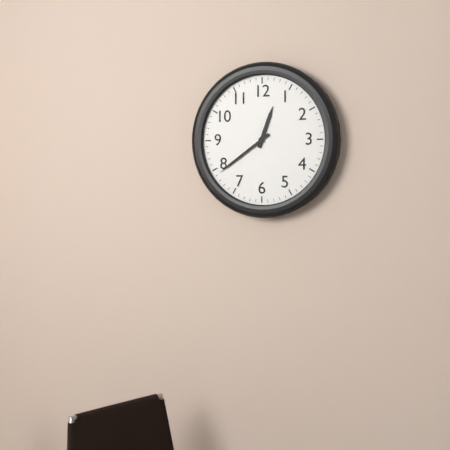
12:39
